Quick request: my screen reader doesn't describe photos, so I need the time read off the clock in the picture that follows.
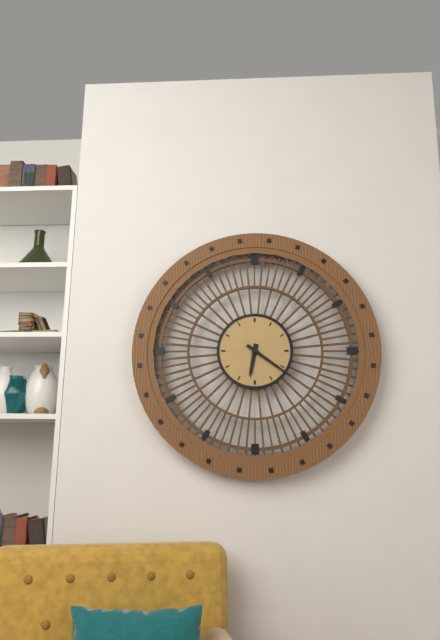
6:21
